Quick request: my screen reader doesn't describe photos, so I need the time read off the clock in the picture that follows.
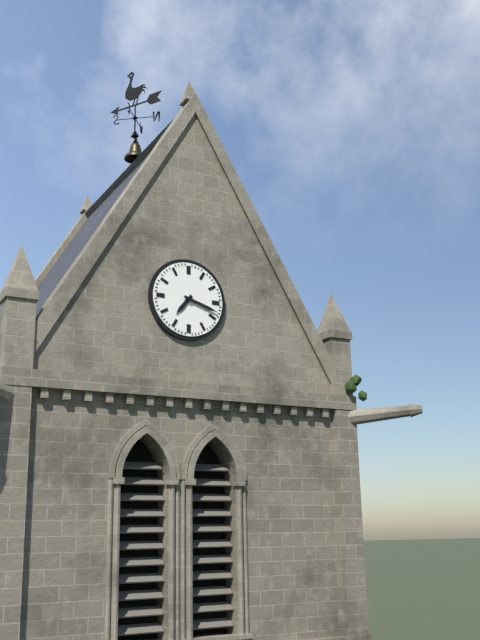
7:18
